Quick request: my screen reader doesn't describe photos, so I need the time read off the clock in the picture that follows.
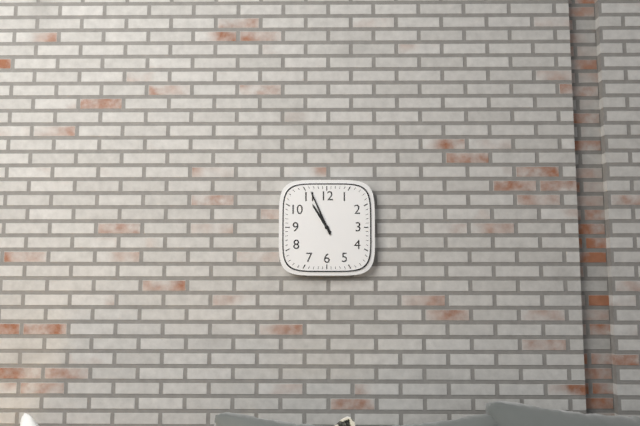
10:56
